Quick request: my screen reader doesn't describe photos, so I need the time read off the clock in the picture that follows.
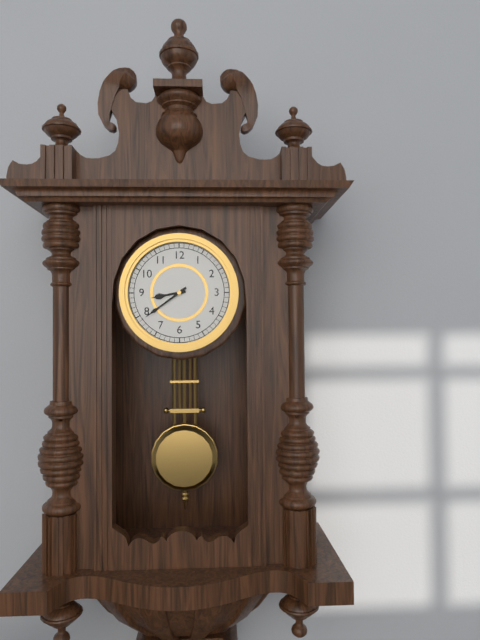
8:39
